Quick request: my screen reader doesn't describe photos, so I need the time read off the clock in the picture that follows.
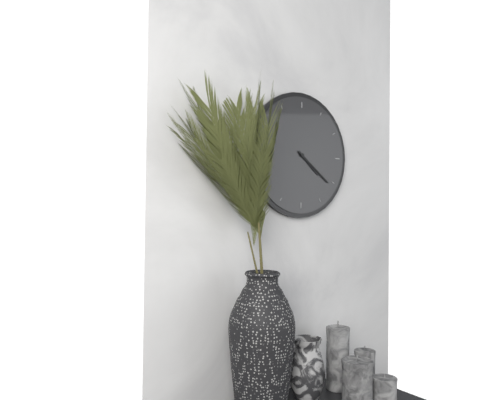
4:21
